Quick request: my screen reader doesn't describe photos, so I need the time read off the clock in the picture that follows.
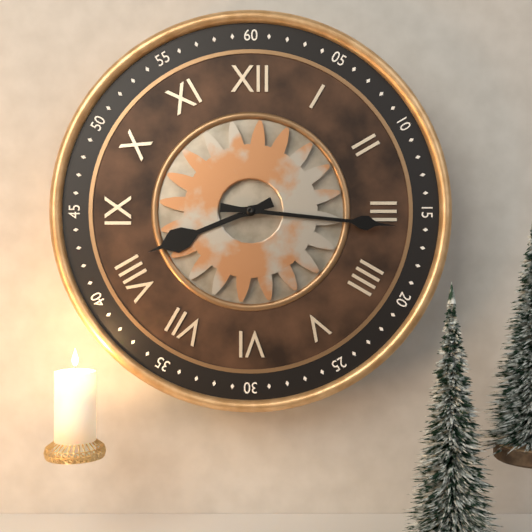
8:16
